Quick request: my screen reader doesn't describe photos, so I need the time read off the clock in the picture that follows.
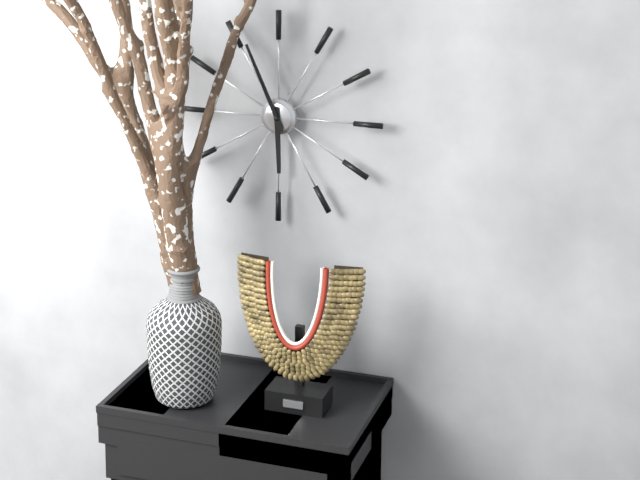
5:56
